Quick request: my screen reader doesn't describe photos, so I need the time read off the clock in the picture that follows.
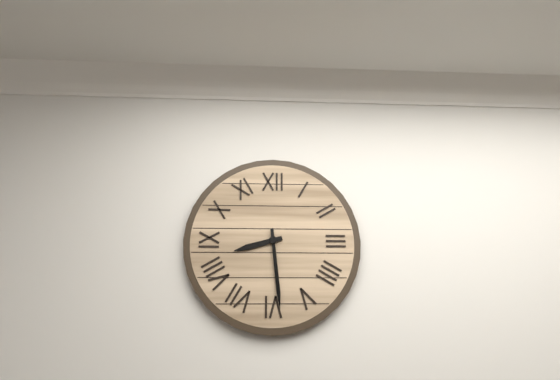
8:29
